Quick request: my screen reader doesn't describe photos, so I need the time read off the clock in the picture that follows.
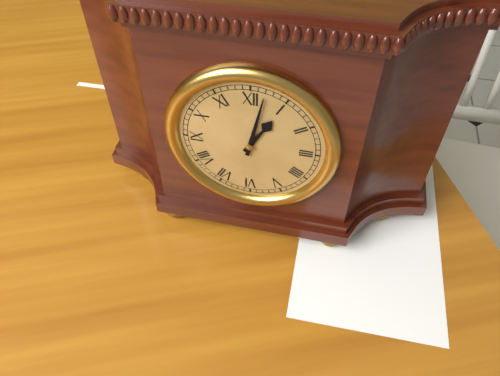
1:02
